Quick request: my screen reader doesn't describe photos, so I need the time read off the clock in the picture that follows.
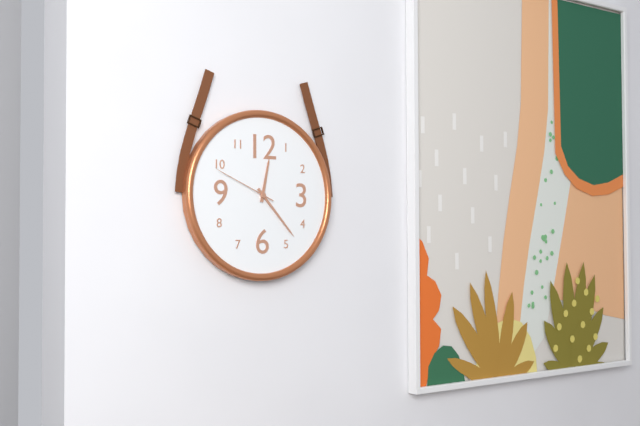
12:23:49
